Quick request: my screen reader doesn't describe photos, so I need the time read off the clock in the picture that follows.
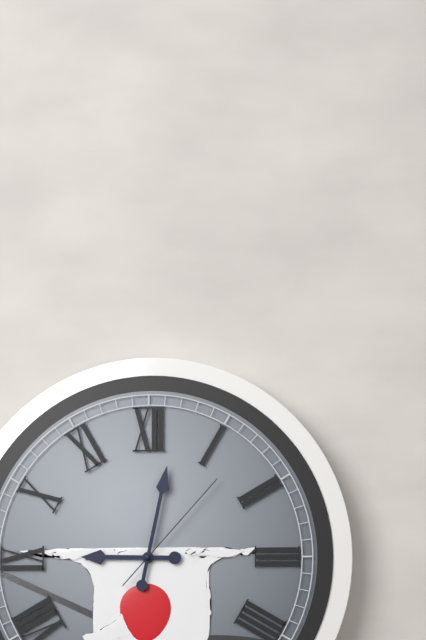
9:02:07
